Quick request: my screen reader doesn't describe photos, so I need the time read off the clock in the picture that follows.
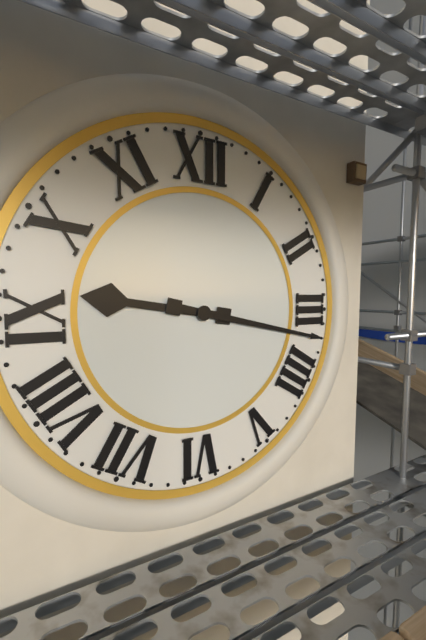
9:17
